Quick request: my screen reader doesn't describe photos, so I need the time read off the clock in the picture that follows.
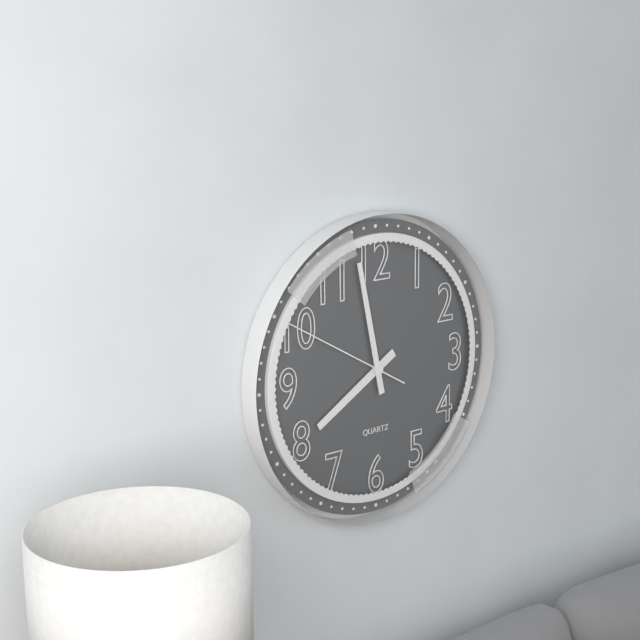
7:58:50
